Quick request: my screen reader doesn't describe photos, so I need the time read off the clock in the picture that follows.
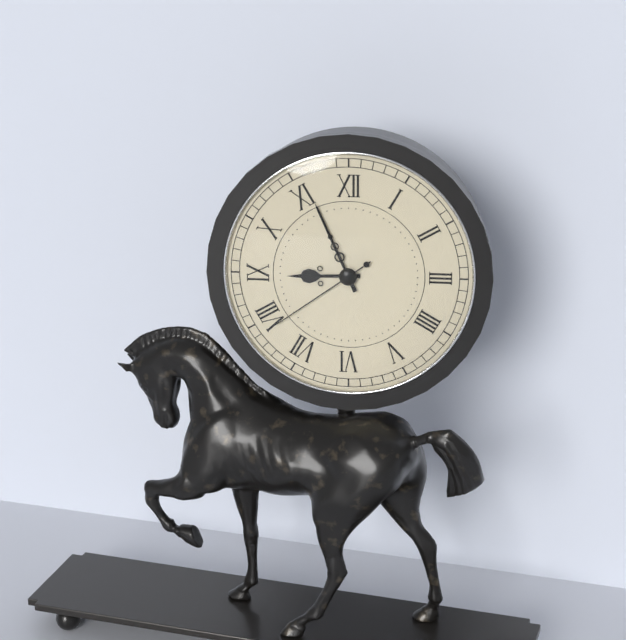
8:56:39
